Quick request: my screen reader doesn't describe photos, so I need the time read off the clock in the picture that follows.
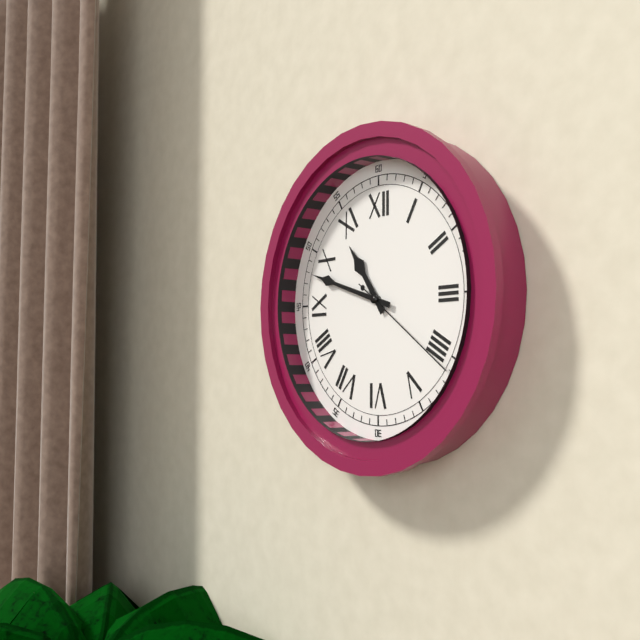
10:48:21
